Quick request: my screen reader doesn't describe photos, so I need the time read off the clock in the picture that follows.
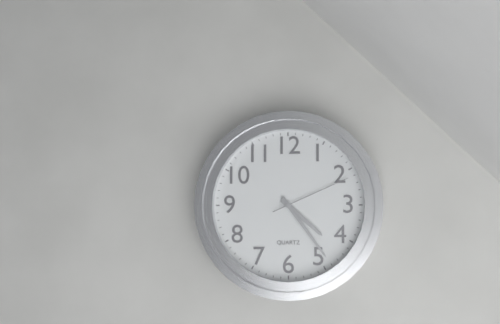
4:24:11
